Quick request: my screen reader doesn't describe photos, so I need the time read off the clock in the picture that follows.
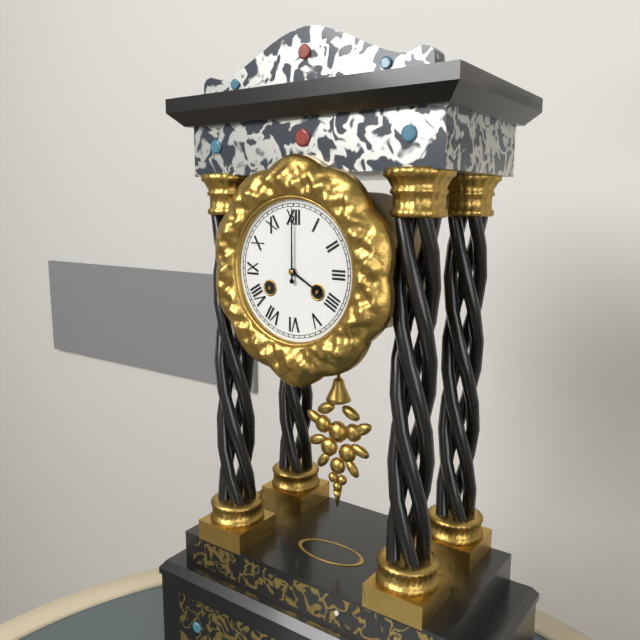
4:00
